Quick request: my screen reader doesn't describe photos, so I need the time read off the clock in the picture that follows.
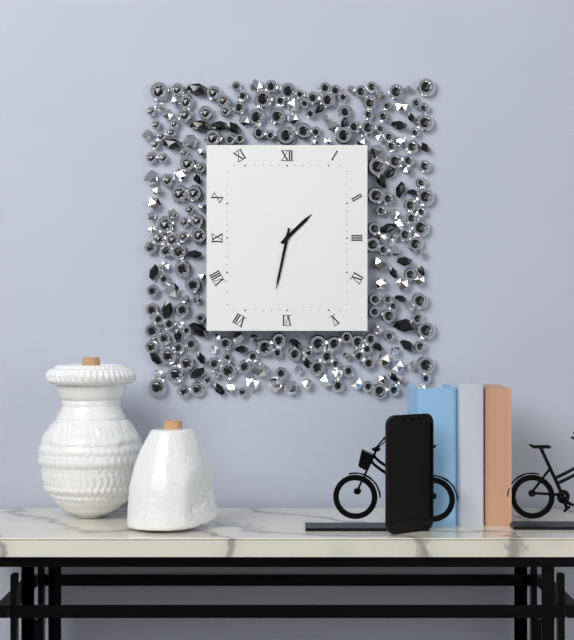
1:32
